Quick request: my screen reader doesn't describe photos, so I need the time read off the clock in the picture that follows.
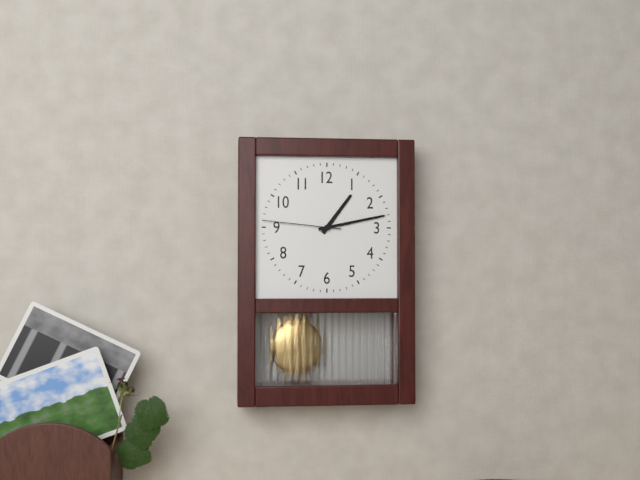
1:13:46
